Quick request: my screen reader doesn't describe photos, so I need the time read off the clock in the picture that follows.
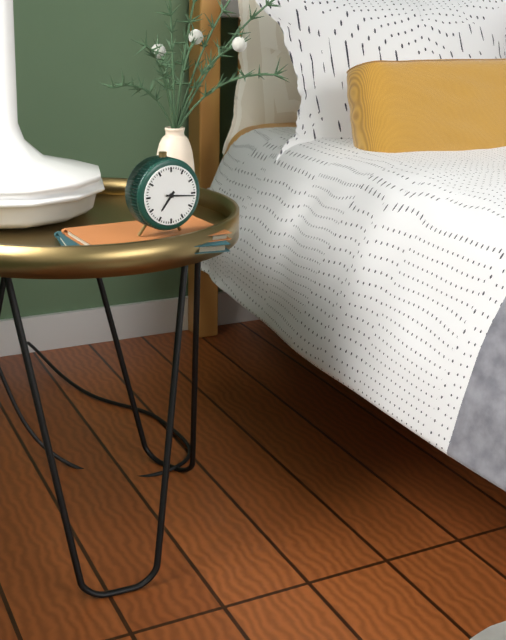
7:16
